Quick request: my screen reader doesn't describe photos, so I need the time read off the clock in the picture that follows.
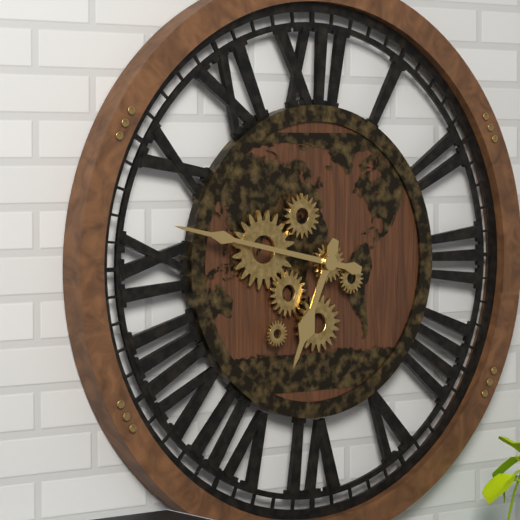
6:47
